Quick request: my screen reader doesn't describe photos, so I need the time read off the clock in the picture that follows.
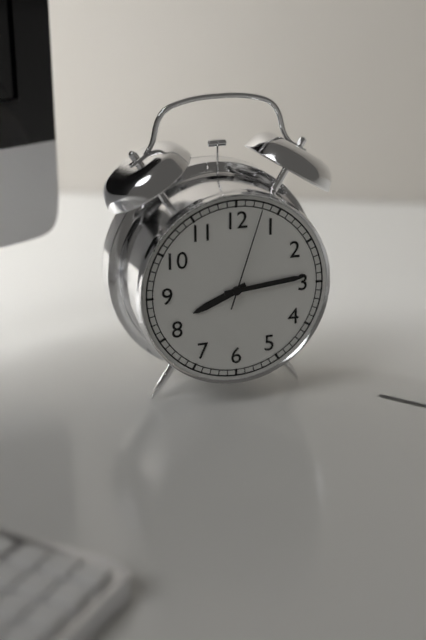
8:14:03
